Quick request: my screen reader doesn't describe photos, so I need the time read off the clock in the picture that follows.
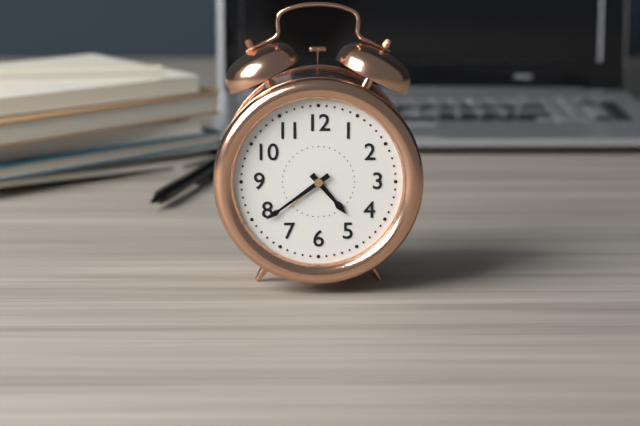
4:39
